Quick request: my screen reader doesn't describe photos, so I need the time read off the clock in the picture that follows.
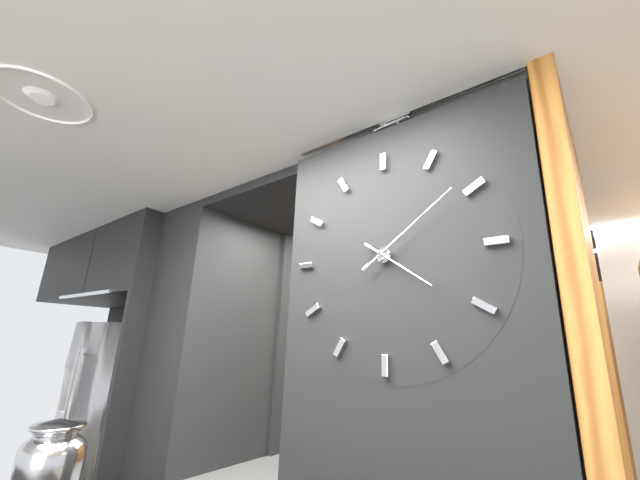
4:09
